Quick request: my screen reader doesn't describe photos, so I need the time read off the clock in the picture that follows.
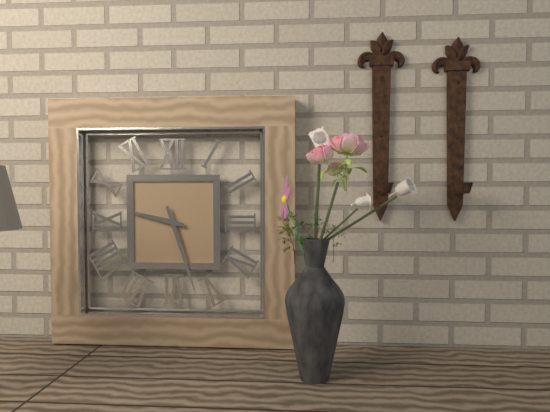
9:27
